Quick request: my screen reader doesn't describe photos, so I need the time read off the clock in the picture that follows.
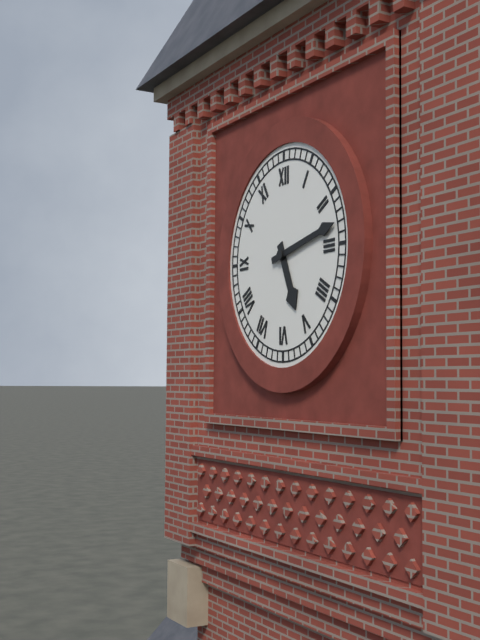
5:13
